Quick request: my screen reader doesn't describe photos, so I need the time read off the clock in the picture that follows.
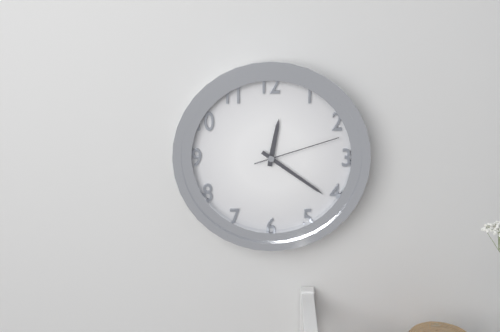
12:21:12
